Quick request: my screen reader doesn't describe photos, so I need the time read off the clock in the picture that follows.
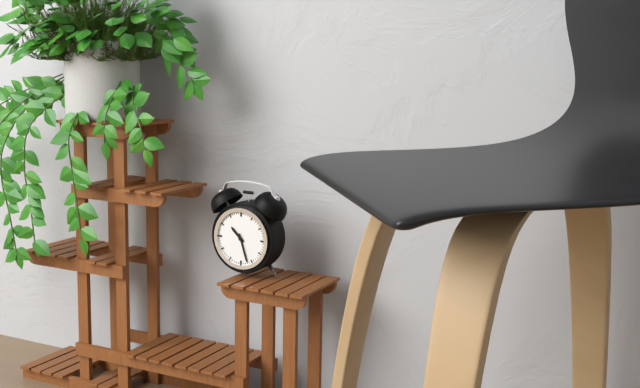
10:27
